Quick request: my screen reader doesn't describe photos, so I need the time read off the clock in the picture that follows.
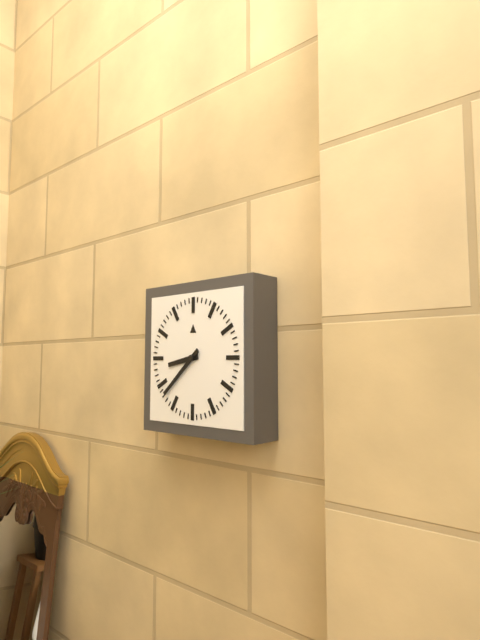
8:38
